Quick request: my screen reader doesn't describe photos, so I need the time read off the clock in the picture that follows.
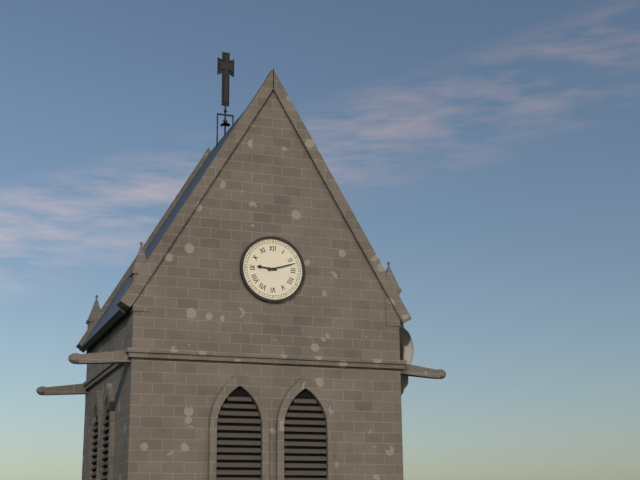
9:12
